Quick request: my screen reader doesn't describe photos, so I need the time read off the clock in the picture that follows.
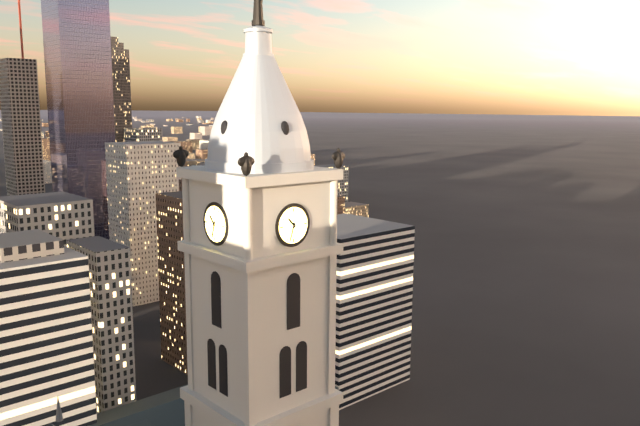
10:33
